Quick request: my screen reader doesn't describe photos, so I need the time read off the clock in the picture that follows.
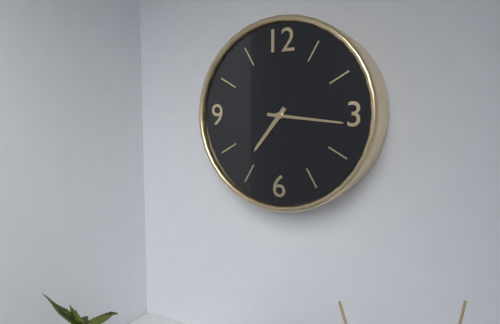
7:16
